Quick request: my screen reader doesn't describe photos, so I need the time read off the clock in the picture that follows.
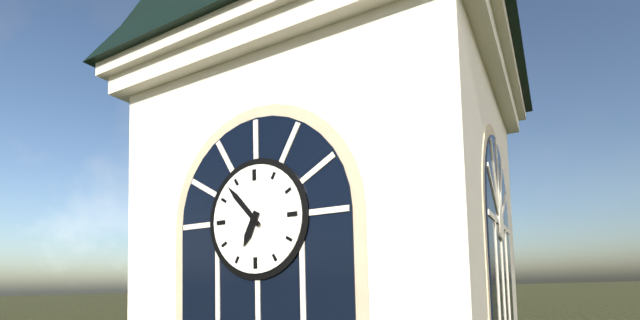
6:53
